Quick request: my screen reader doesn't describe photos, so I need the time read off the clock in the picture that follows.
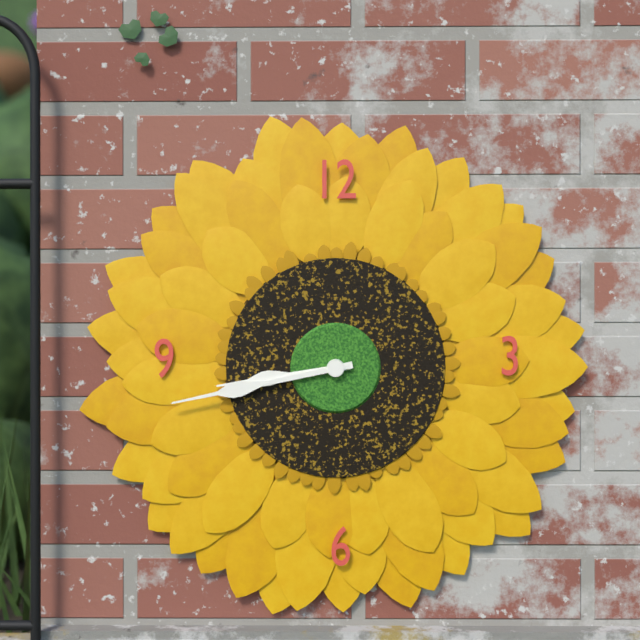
8:43
